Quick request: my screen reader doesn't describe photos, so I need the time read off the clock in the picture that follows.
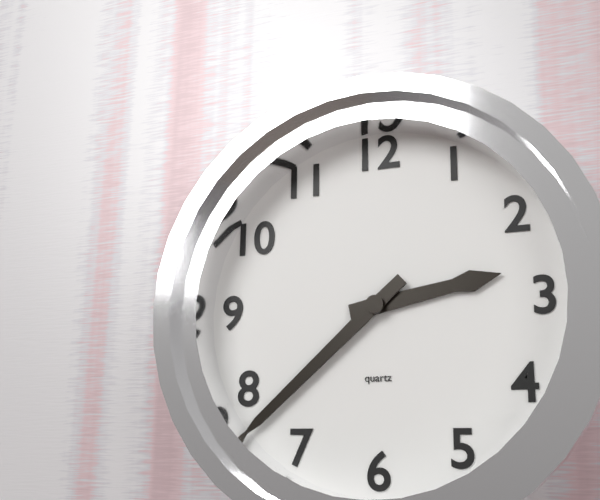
2:38
